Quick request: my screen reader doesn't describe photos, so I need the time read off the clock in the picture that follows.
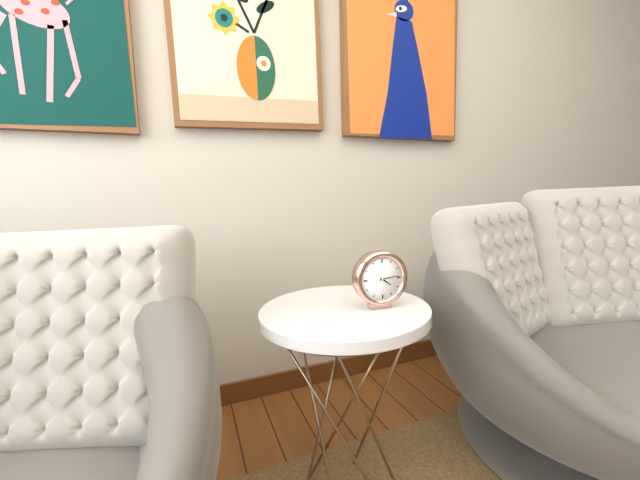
4:14
